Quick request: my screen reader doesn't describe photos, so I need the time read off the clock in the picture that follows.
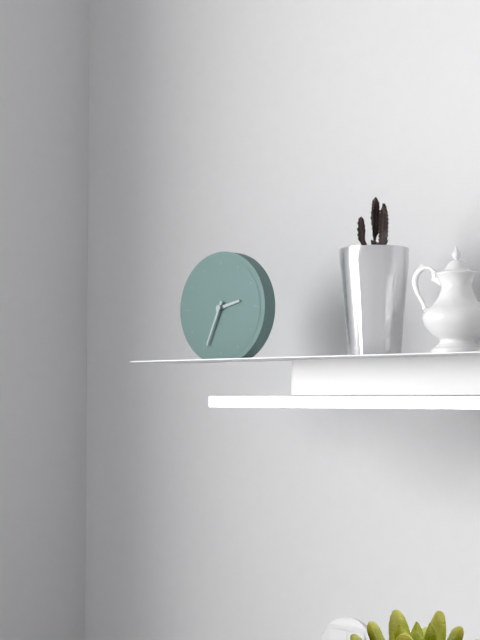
2:34
